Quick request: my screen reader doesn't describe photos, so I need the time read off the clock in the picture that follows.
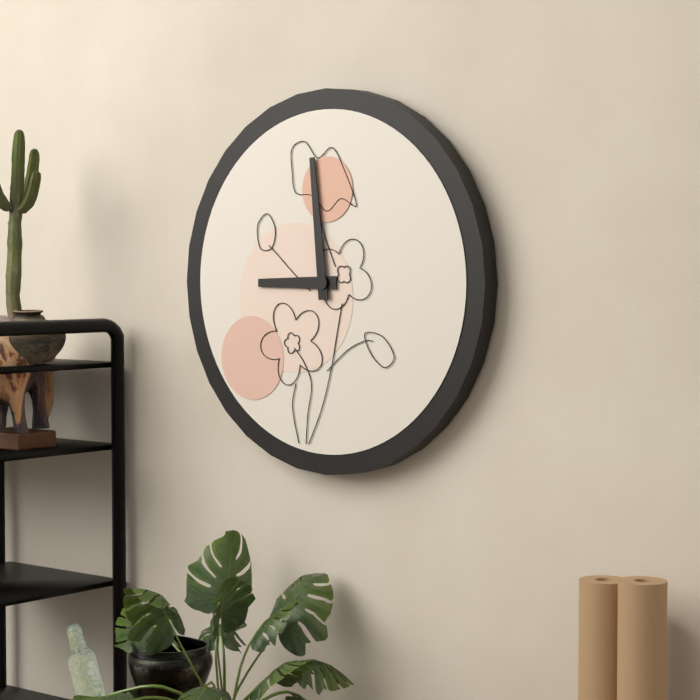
8:59
